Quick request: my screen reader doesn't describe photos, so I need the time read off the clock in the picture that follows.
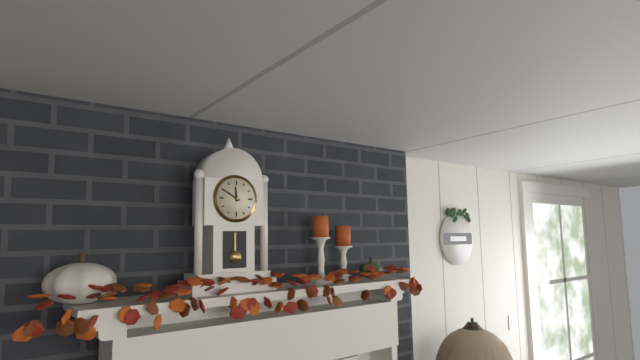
11:50
